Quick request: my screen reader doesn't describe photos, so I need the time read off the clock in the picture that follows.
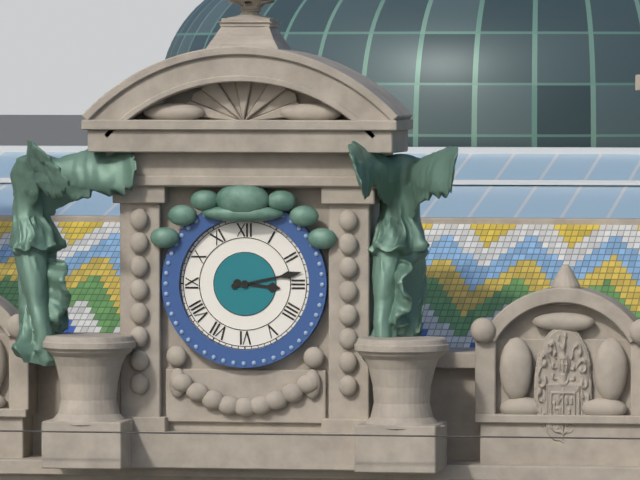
3:13
